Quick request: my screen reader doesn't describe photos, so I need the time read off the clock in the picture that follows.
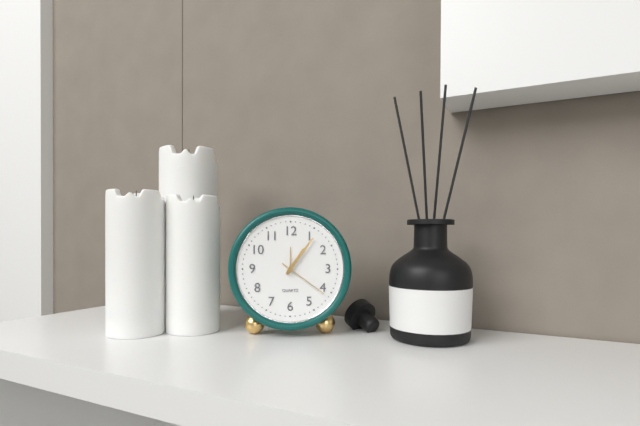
1:06:21
